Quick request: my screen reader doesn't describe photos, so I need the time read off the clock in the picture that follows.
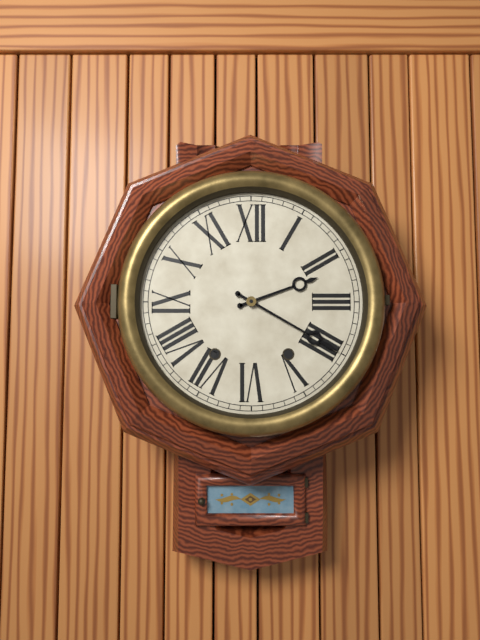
2:20
